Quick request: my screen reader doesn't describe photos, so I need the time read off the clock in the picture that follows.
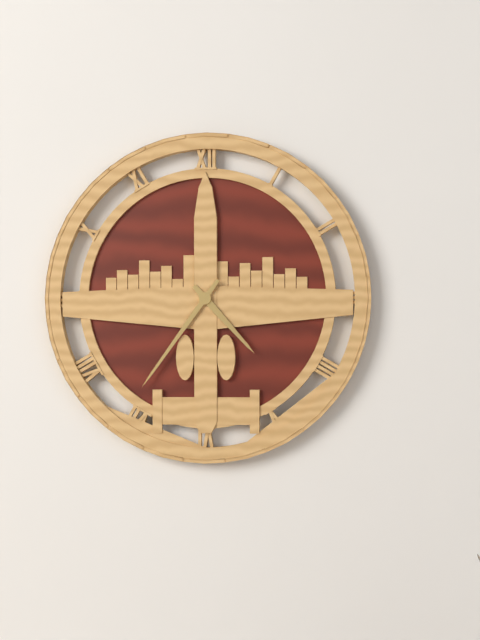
4:36
